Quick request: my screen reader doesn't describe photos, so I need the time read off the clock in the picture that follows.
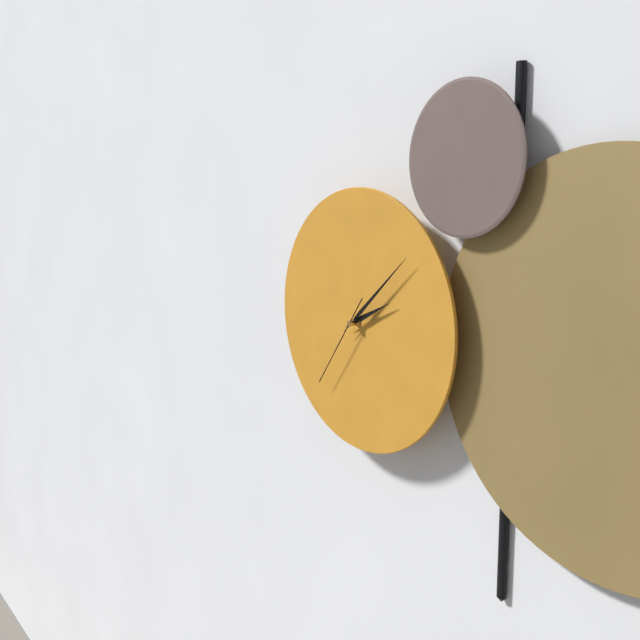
2:08:36
